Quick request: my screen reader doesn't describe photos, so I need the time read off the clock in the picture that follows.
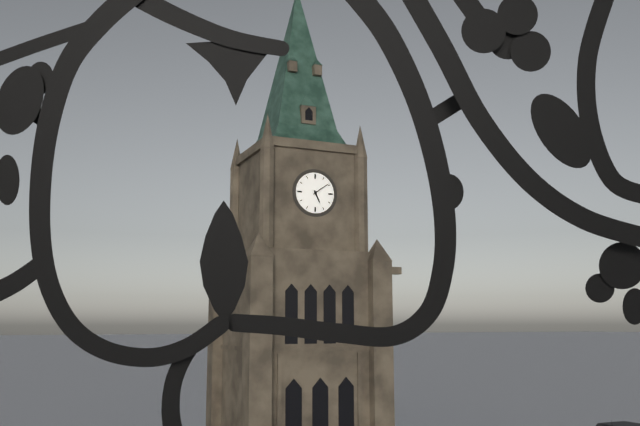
5:09
